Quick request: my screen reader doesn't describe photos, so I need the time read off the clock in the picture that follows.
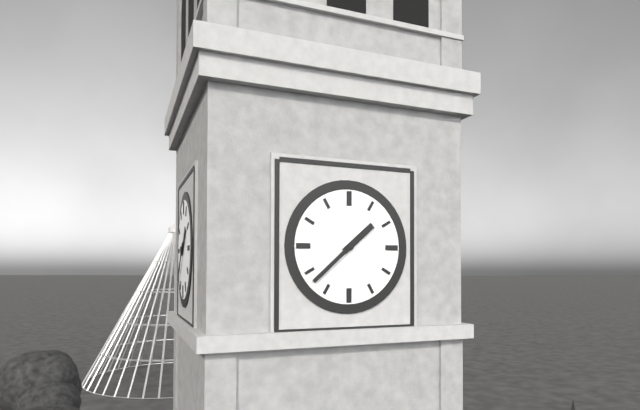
1:38
